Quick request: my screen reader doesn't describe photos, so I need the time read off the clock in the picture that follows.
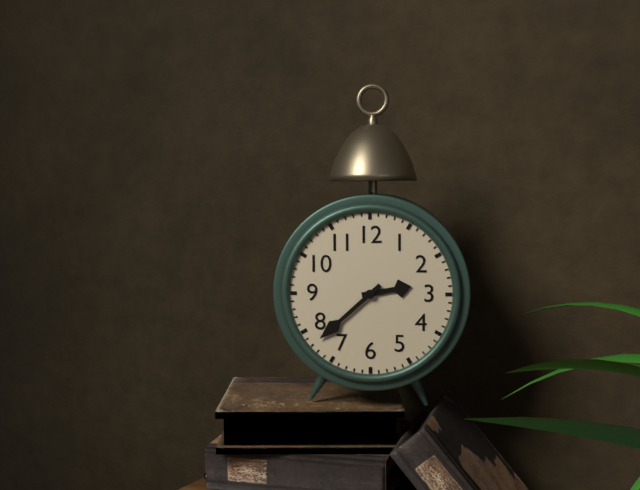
2:38
